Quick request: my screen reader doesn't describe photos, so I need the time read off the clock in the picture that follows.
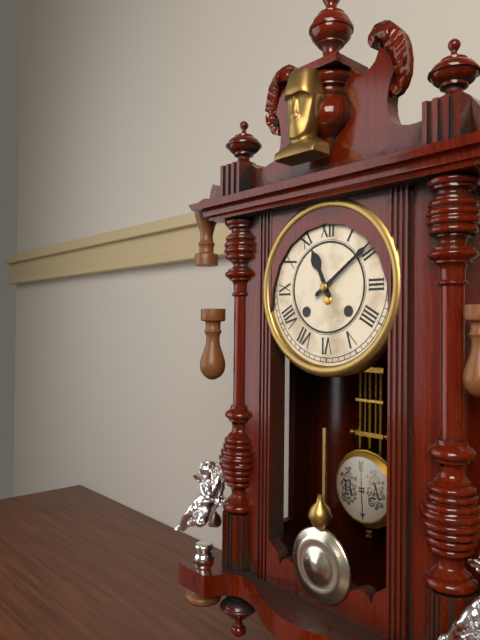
11:09
